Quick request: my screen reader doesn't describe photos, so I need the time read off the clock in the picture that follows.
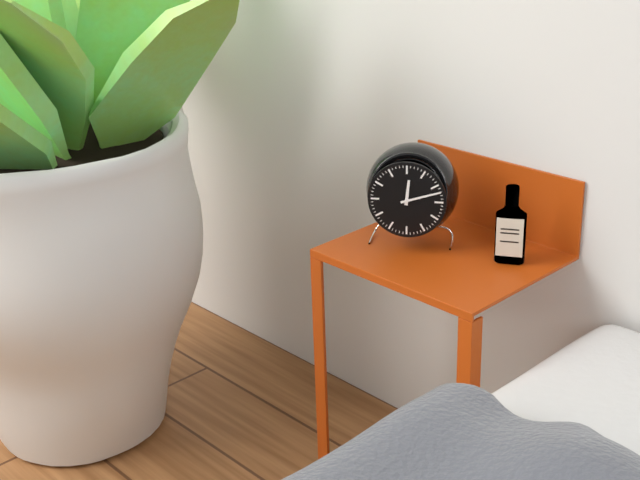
12:12
